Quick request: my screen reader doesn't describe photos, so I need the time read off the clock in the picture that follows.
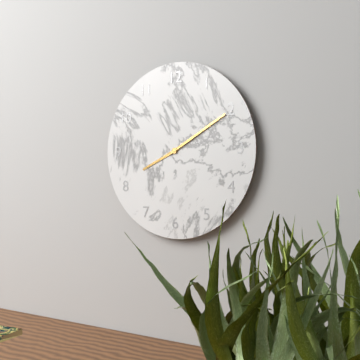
8:10
